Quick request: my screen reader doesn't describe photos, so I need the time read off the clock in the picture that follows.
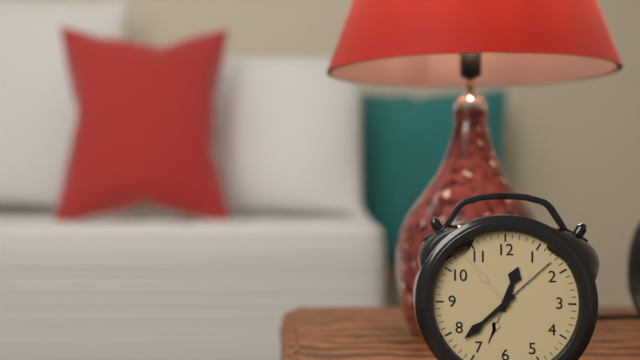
12:38
